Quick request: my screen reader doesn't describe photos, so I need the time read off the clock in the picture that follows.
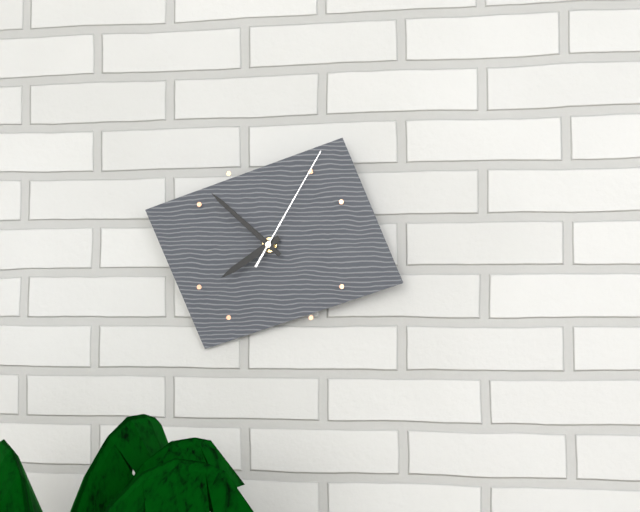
7:52:05
